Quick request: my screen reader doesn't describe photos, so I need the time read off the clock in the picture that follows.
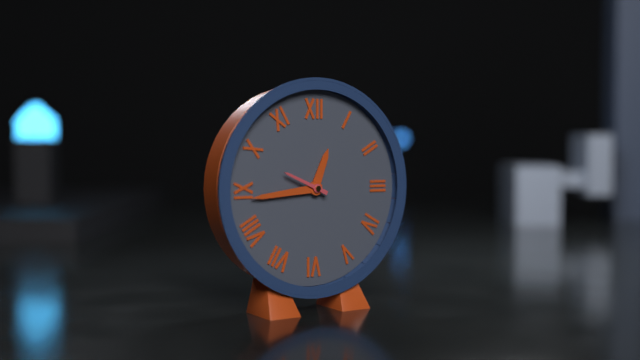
12:44
